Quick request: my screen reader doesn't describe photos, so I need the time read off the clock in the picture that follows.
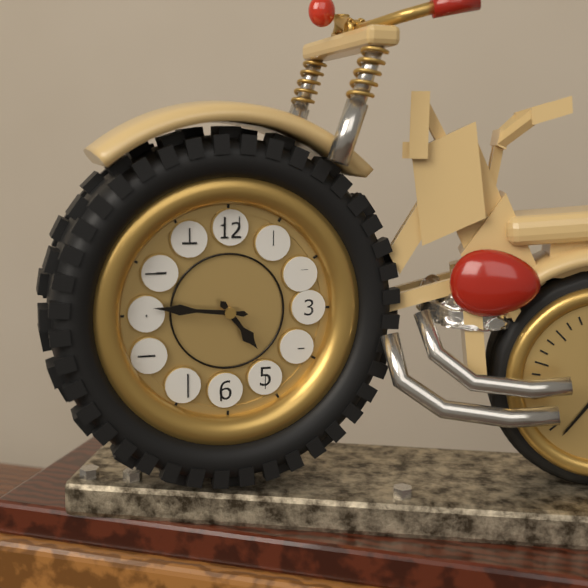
4:46
